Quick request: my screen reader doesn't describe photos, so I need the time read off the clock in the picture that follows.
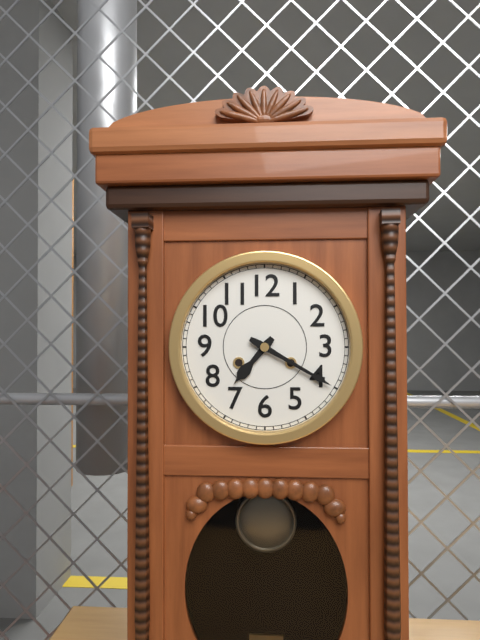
7:20
